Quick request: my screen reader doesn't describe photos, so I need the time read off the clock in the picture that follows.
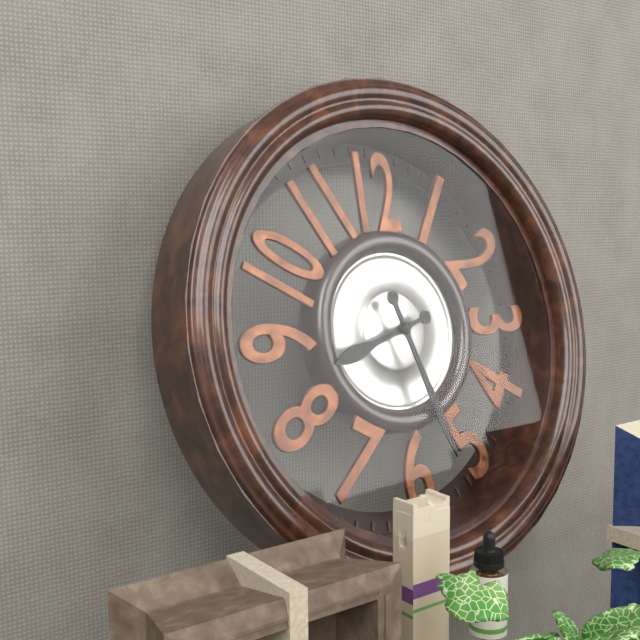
8:27
